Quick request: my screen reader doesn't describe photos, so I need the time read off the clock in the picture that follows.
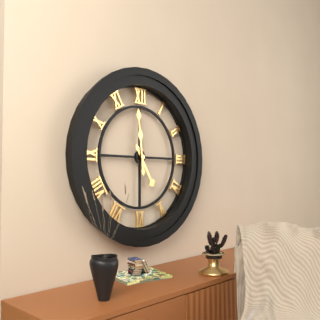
4:59
